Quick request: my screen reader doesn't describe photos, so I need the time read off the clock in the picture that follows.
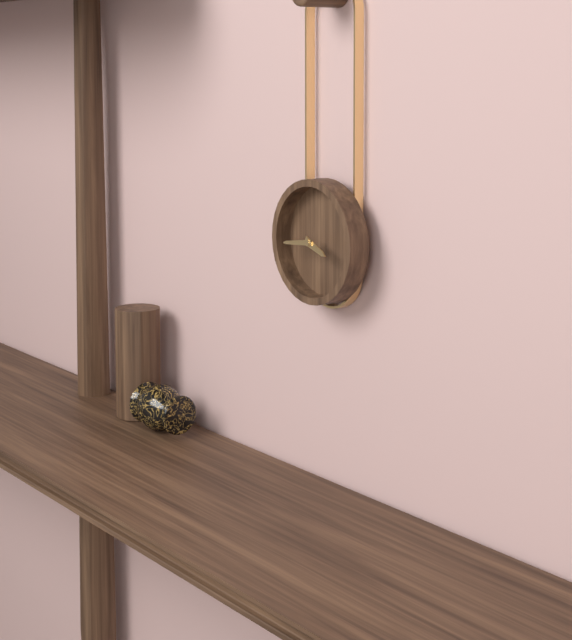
3:44
